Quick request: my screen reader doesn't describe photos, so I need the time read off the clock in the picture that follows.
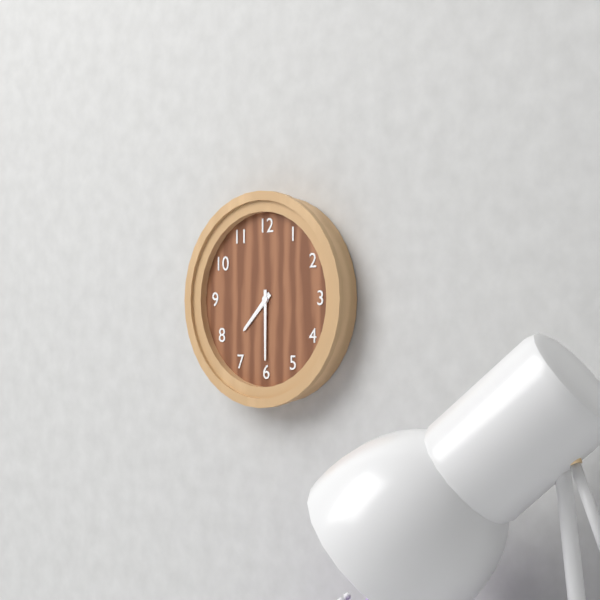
7:30
